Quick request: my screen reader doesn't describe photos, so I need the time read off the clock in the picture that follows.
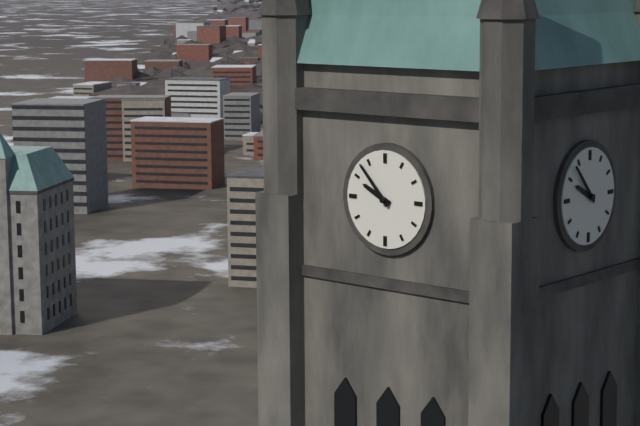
9:53
